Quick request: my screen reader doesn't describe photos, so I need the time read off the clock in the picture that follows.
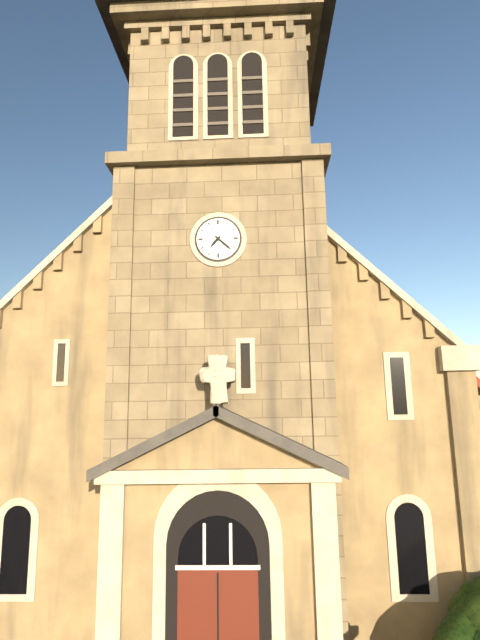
7:22
